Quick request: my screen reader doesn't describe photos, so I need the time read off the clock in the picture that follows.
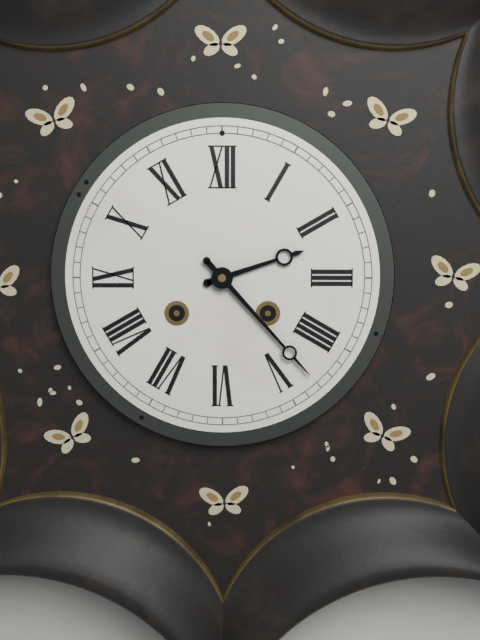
2:23
